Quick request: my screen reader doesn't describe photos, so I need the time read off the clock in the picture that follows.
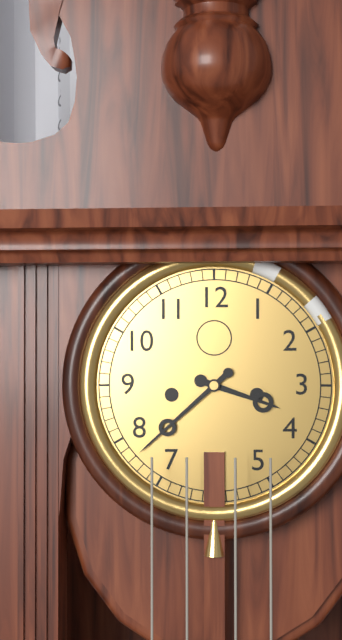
3:38
